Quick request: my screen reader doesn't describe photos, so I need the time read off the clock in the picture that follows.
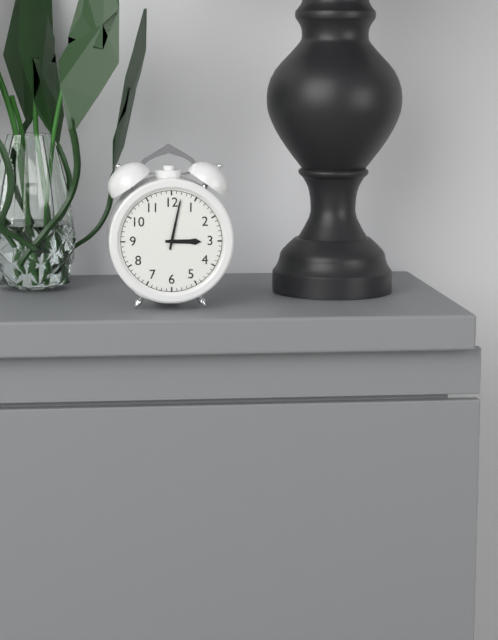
3:02
